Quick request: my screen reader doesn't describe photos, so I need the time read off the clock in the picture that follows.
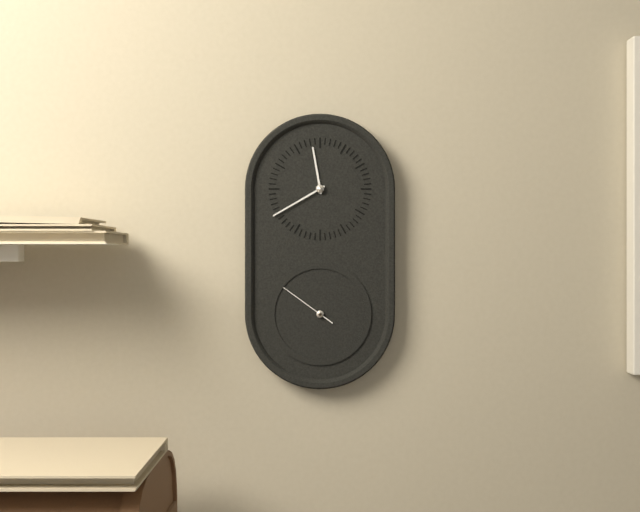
11:40:51
